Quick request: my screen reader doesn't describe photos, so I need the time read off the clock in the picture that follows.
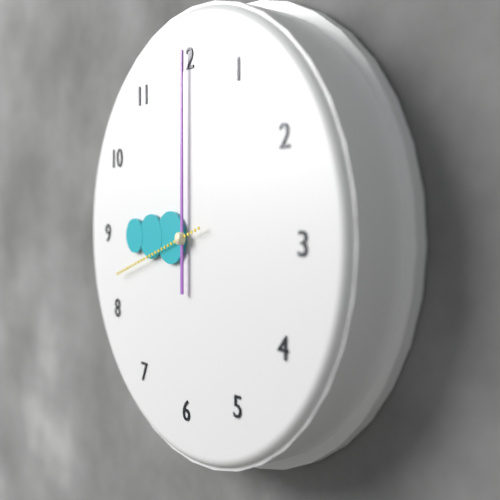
9:00:42
